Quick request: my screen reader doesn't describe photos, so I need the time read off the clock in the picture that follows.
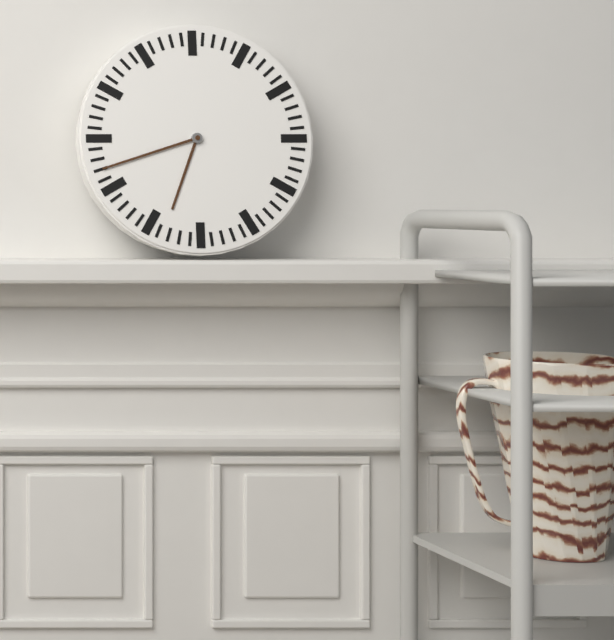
6:42
